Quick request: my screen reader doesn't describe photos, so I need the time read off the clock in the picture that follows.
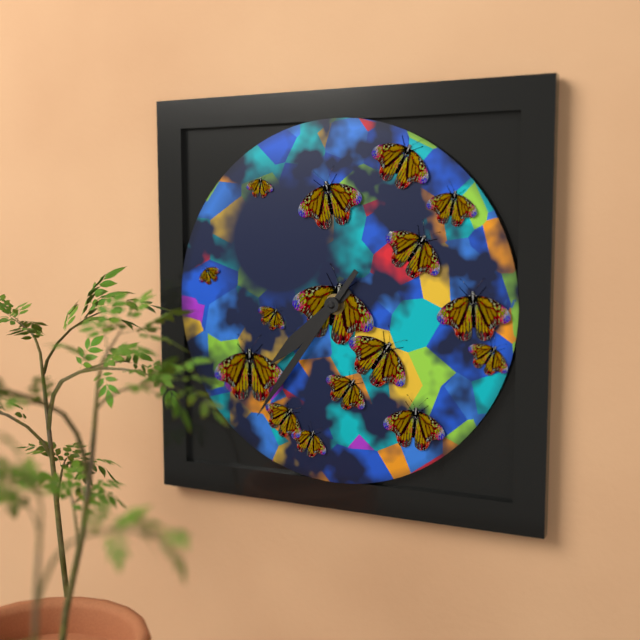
7:36
